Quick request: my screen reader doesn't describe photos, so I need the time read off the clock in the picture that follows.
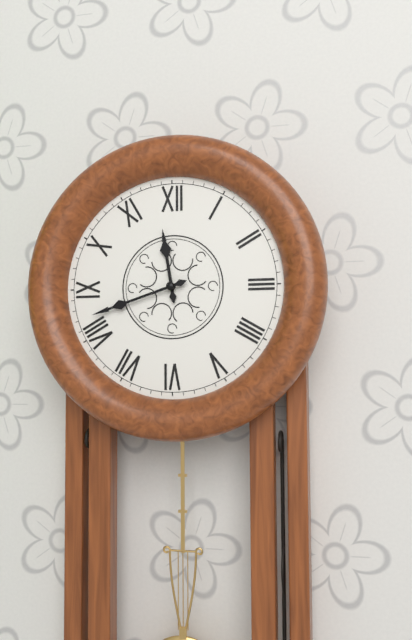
11:42
